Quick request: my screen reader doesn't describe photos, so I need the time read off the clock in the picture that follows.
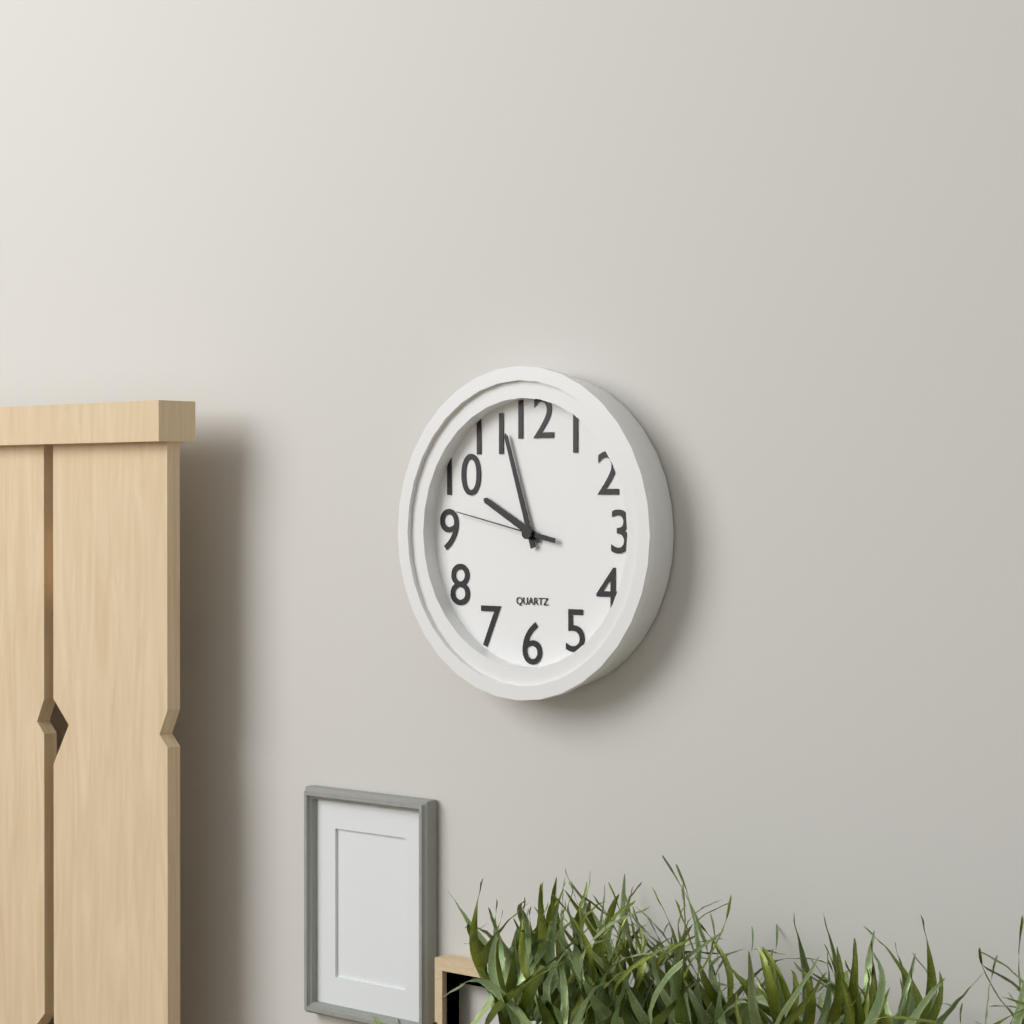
9:57:47
